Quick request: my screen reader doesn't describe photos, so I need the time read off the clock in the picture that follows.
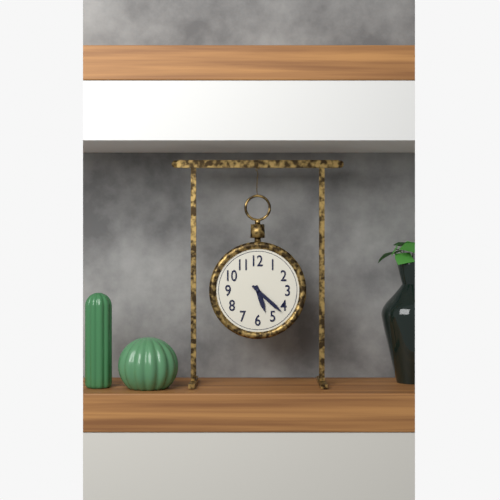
5:22
